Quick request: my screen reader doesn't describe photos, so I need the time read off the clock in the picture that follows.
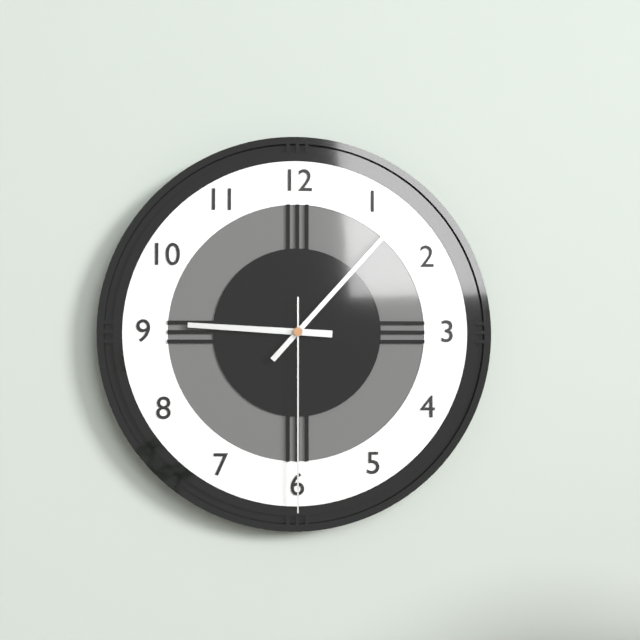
9:07:30
